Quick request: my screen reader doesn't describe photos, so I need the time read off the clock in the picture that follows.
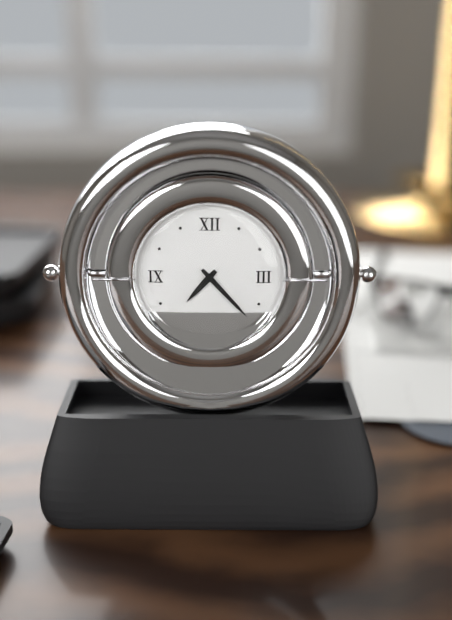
7:23
